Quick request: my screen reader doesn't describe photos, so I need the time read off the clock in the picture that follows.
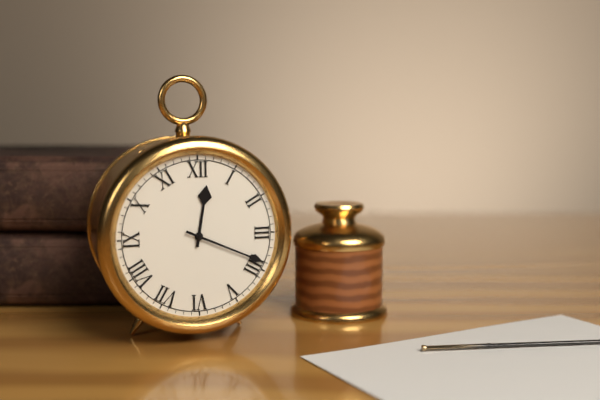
12:19
